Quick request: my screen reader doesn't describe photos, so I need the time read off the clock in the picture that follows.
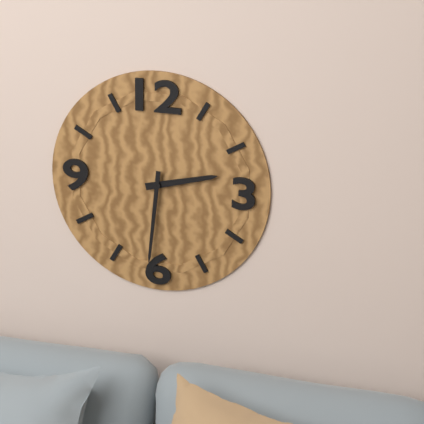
2:31
